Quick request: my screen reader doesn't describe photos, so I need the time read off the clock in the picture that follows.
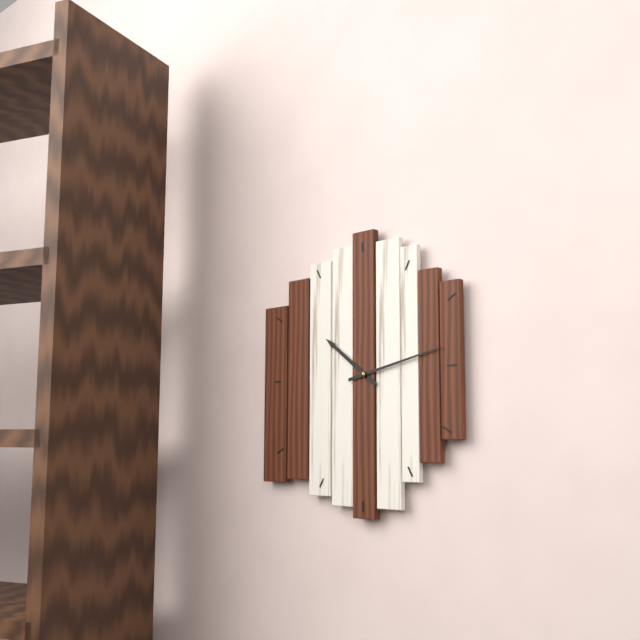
10:13
